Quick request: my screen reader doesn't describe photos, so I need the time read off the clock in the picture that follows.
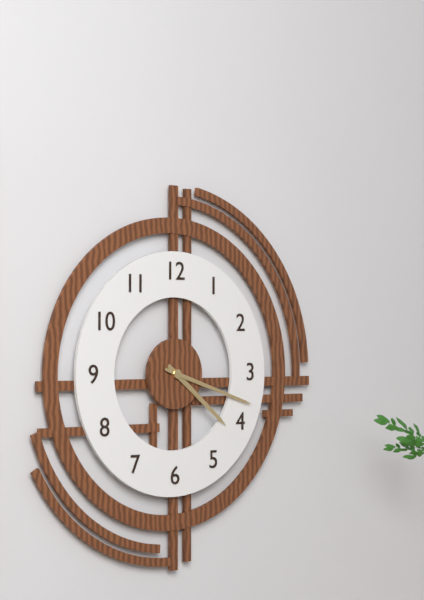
4:18
